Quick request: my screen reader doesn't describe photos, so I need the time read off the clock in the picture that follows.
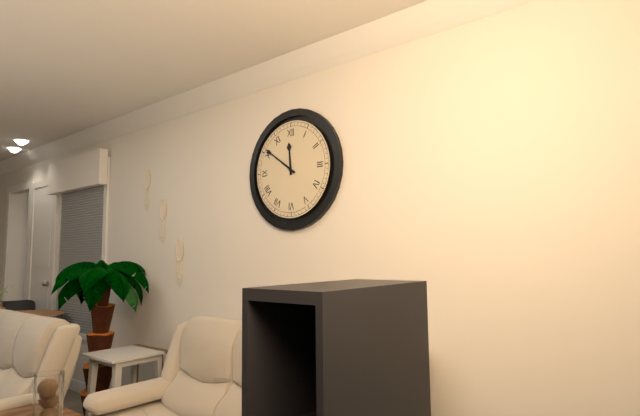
11:51
